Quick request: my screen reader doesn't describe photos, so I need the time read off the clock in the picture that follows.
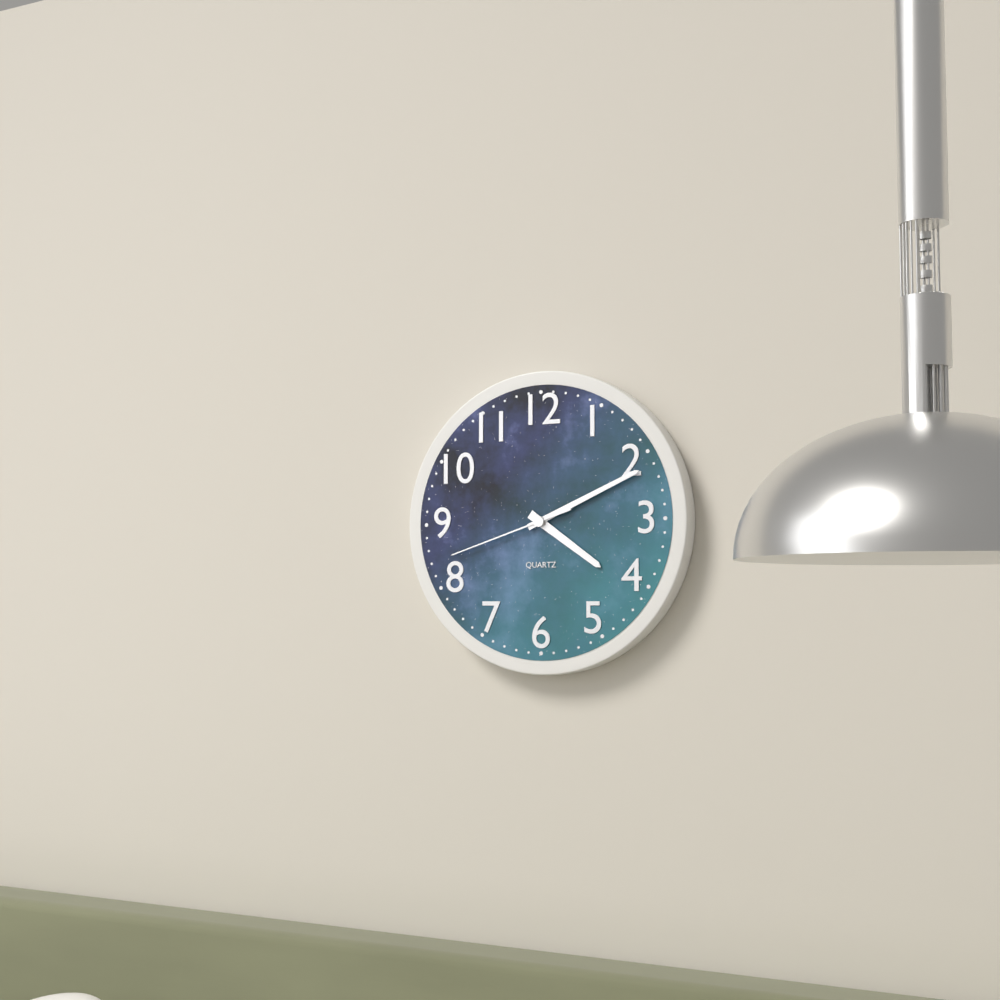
4:11:42
